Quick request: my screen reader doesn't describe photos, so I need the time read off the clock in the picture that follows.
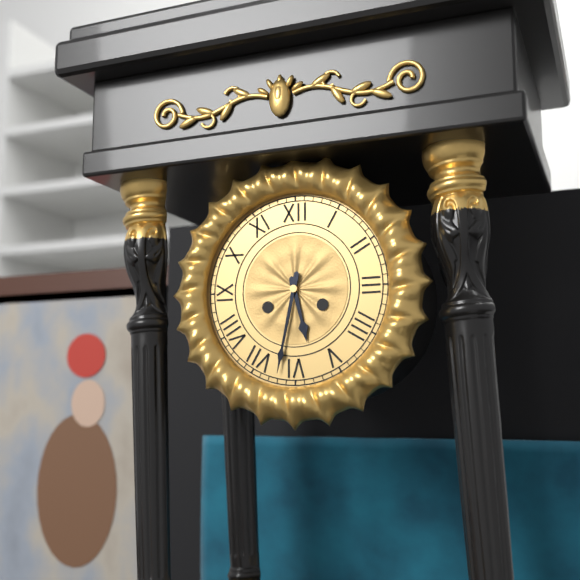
5:32
